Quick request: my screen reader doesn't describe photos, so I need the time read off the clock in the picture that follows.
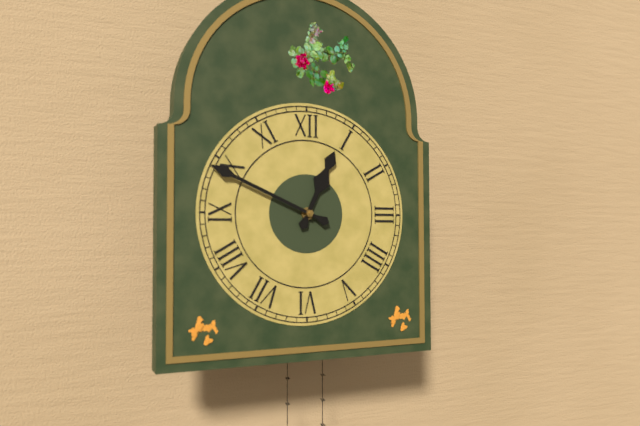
12:49
